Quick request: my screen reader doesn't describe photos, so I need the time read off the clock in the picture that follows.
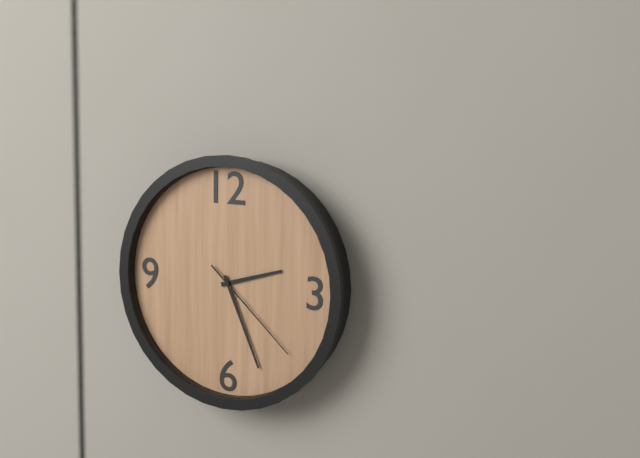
2:26:22
